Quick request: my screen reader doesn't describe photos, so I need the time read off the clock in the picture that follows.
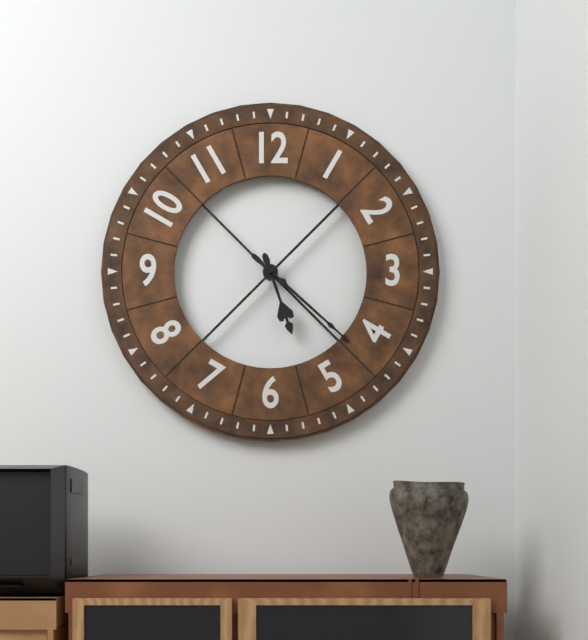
5:22
